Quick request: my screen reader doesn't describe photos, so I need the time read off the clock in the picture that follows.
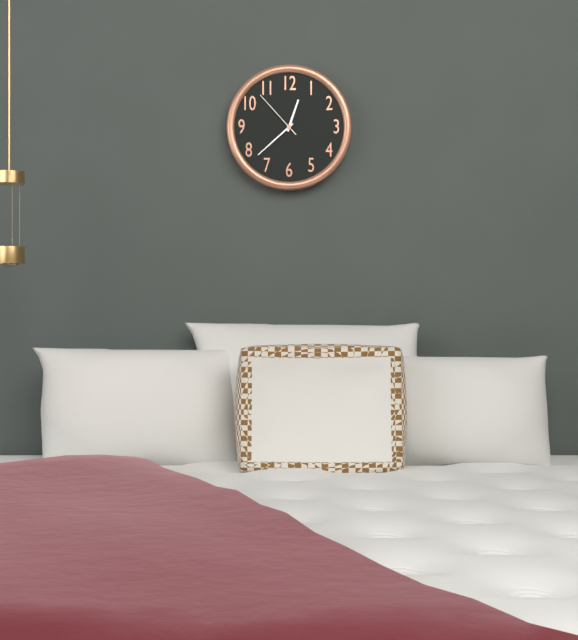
12:38:53
